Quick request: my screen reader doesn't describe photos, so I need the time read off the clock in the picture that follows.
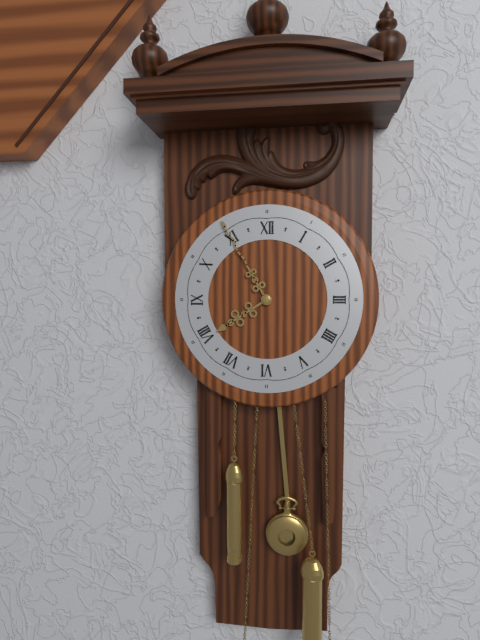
7:55
